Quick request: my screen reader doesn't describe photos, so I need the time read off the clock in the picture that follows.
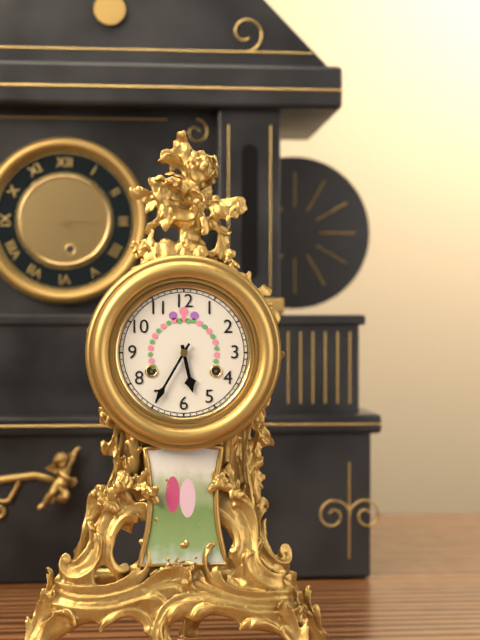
5:35
